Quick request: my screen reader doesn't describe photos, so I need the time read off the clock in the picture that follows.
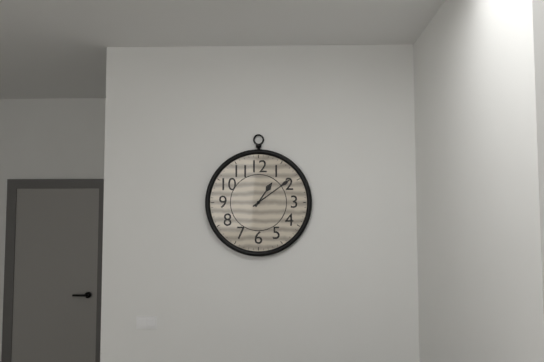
1:09
